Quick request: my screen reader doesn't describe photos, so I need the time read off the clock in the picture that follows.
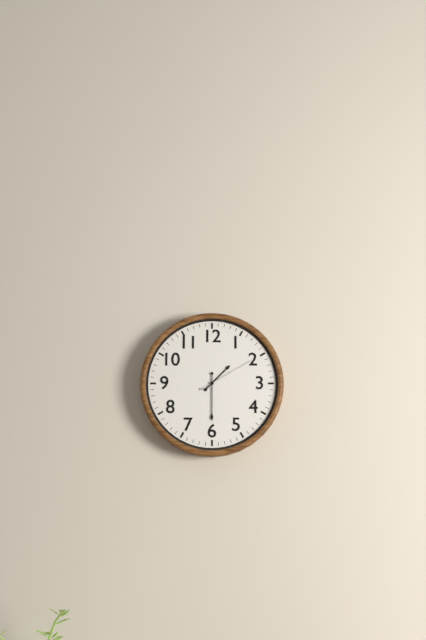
1:30:10
